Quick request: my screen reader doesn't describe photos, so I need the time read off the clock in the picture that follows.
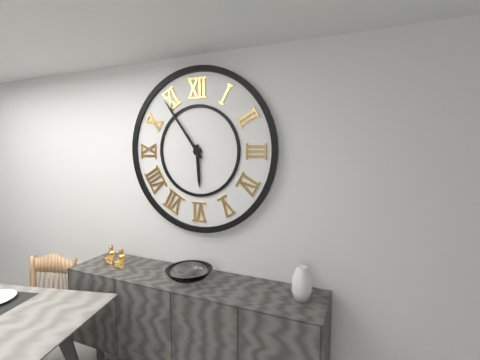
5:54
